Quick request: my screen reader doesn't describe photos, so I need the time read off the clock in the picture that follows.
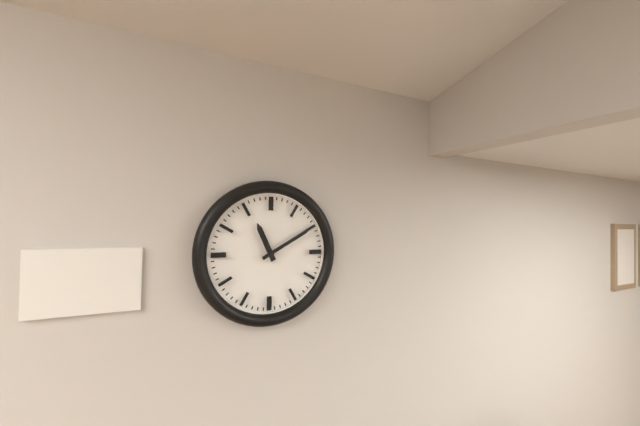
11:10
